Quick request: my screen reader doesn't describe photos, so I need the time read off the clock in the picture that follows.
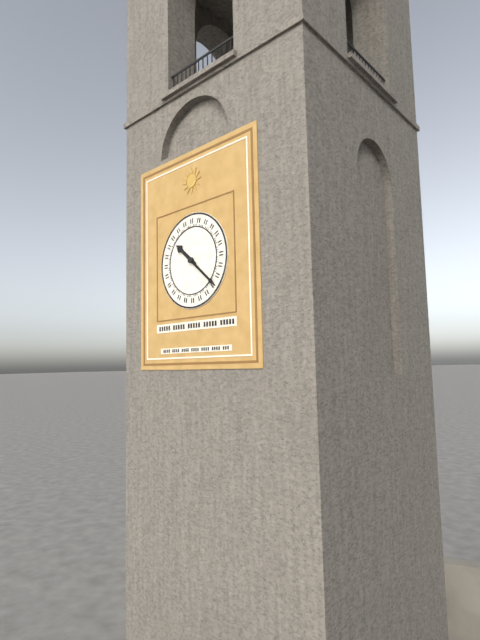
10:22
